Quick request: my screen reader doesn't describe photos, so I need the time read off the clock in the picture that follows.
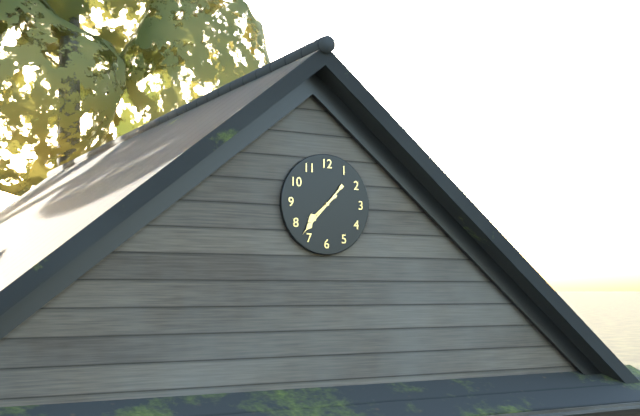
7:37
